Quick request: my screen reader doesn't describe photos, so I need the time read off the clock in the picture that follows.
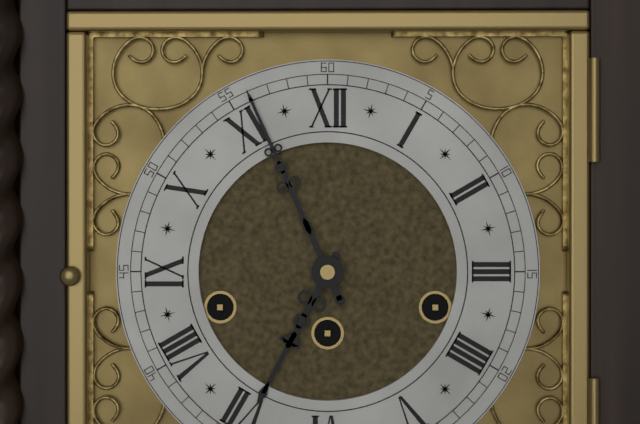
6:56
